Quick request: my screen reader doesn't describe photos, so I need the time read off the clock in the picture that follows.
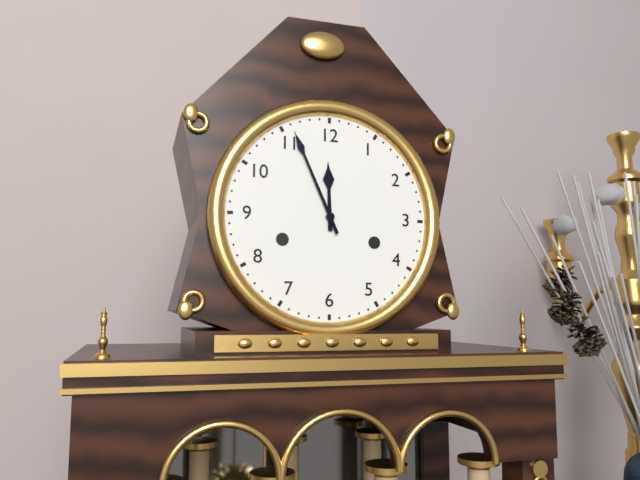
11:56
